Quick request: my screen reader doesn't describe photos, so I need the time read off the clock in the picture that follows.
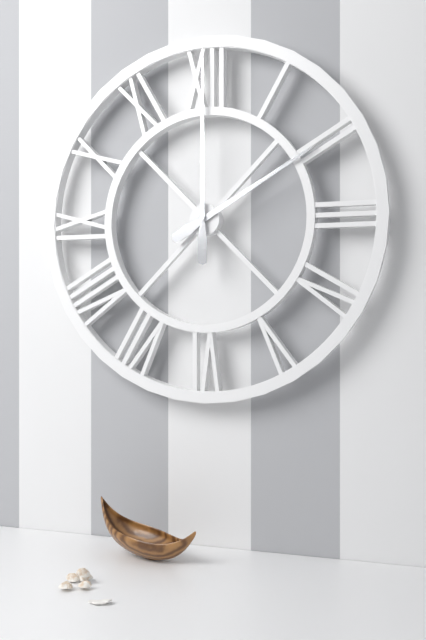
2:00
